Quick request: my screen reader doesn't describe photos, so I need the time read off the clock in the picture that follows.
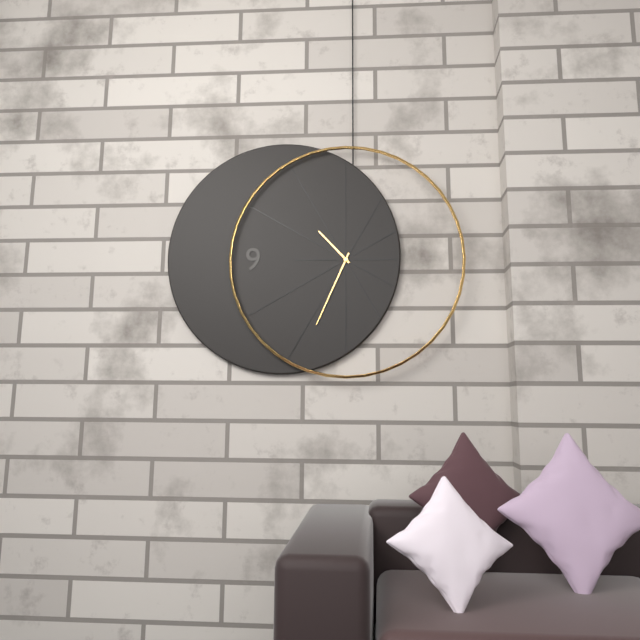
10:34
